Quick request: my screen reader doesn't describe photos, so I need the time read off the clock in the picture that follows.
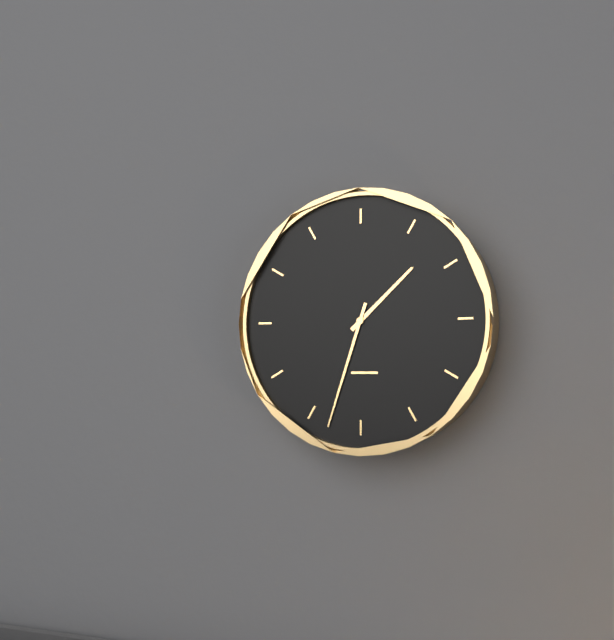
1:33
